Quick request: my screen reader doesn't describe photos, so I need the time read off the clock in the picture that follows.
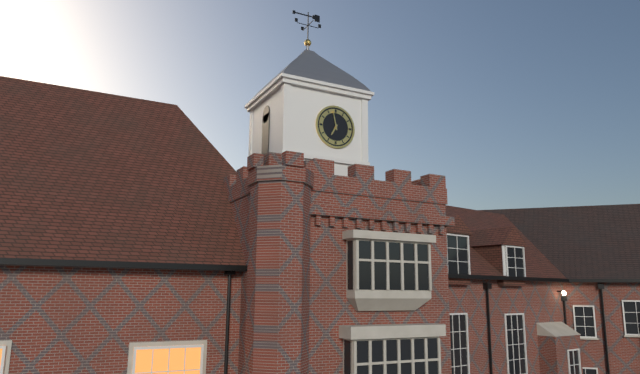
6:58
